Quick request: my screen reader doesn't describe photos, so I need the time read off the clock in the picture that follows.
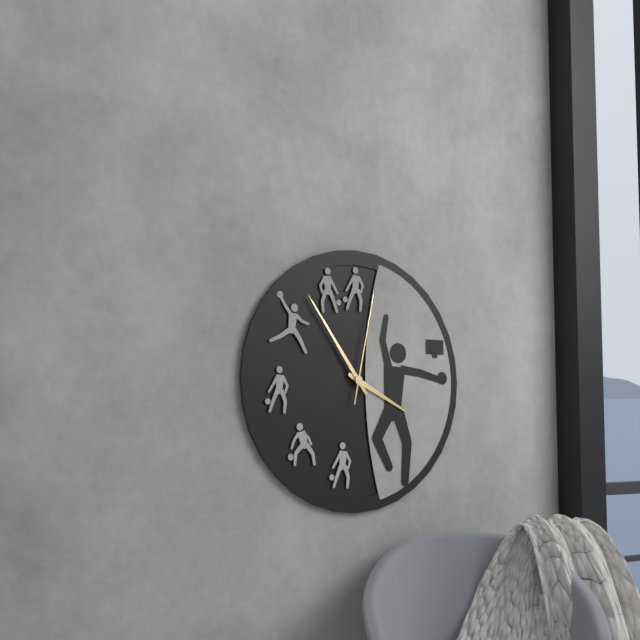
3:54:02
